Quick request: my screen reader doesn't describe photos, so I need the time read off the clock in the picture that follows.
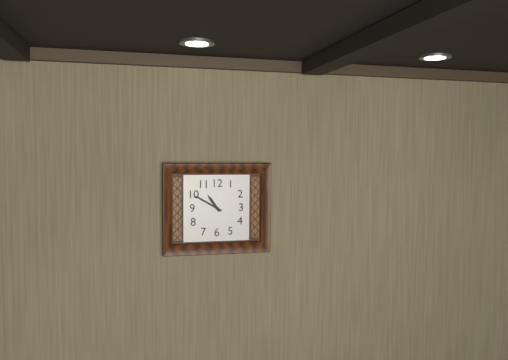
10:50
